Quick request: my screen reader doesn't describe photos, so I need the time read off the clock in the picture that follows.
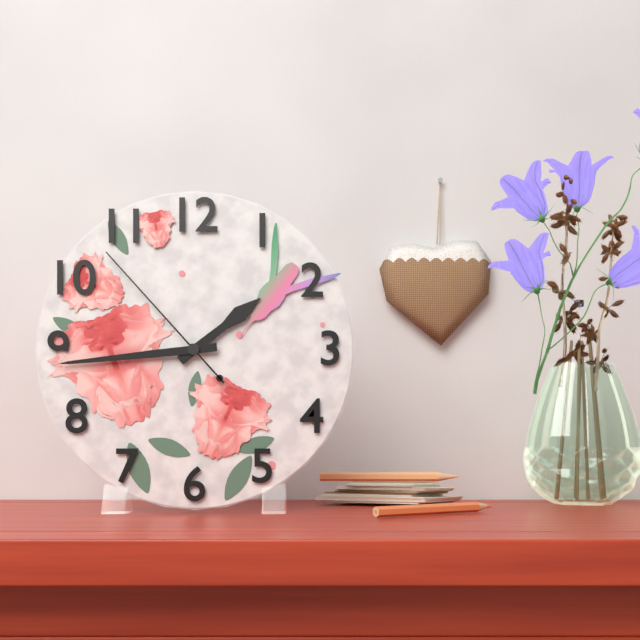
1:44:53
